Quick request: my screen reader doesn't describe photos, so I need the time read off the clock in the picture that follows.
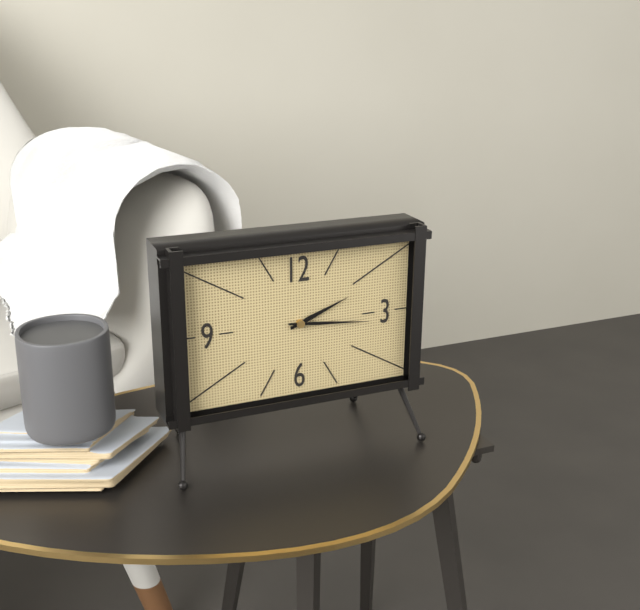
2:16
